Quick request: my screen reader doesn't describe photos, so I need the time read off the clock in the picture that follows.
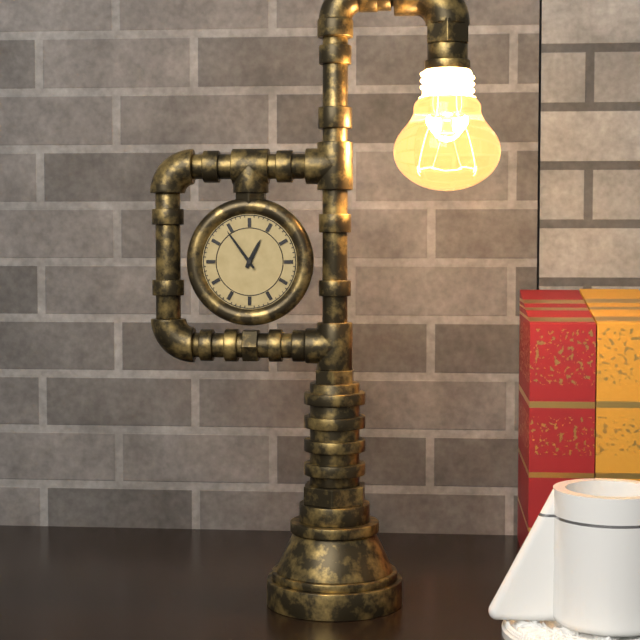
12:54
